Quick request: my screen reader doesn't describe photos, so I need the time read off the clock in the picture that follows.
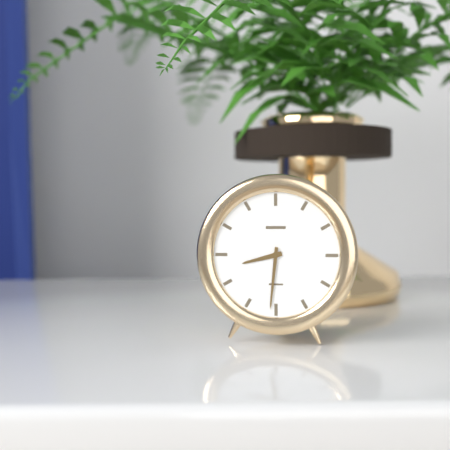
8:31
